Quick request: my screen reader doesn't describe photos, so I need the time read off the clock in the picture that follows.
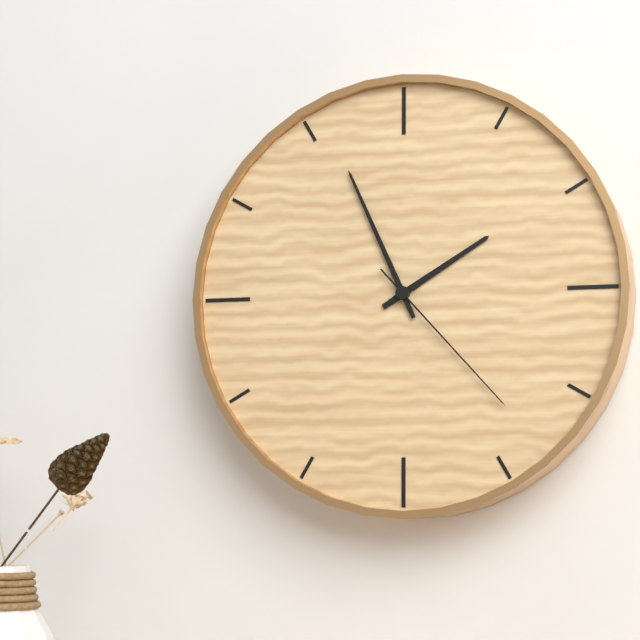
1:56:23
